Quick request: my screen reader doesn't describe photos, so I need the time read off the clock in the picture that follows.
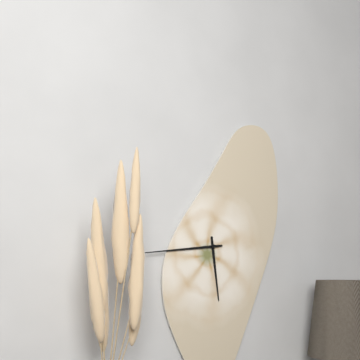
5:44
